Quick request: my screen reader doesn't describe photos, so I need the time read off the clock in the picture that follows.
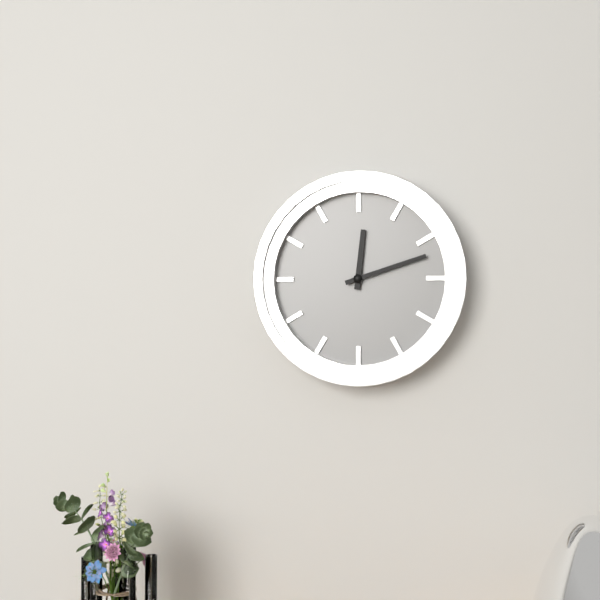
12:12
